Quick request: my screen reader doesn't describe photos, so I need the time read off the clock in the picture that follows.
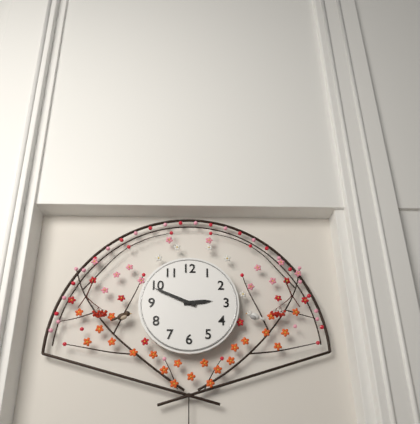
2:49
